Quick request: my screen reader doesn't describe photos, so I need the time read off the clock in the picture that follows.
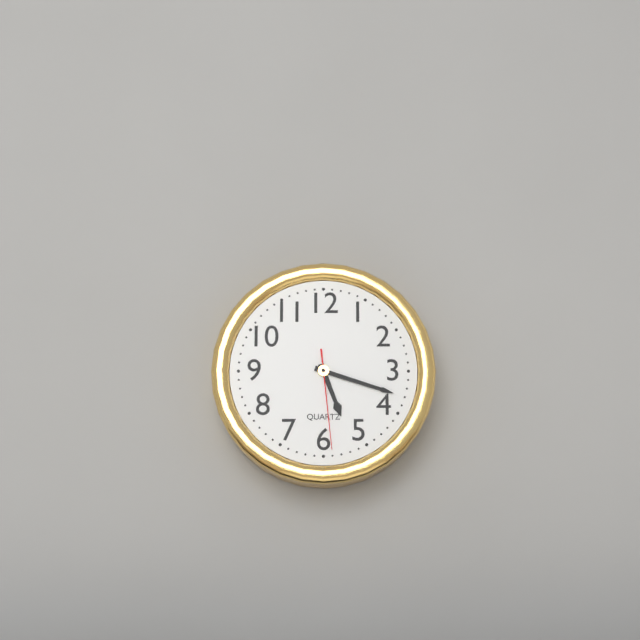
5:18:29
